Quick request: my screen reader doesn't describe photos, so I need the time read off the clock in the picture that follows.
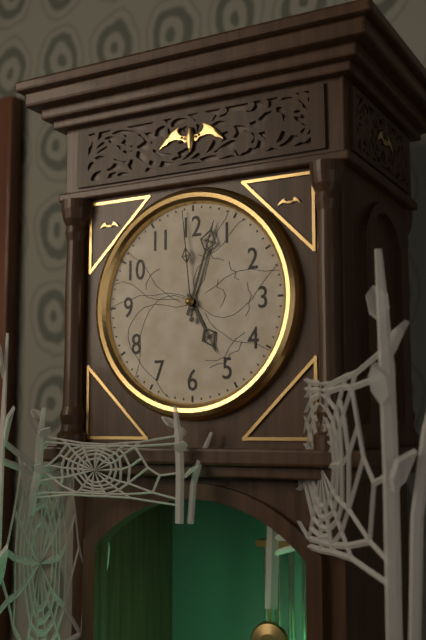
5:03:59
